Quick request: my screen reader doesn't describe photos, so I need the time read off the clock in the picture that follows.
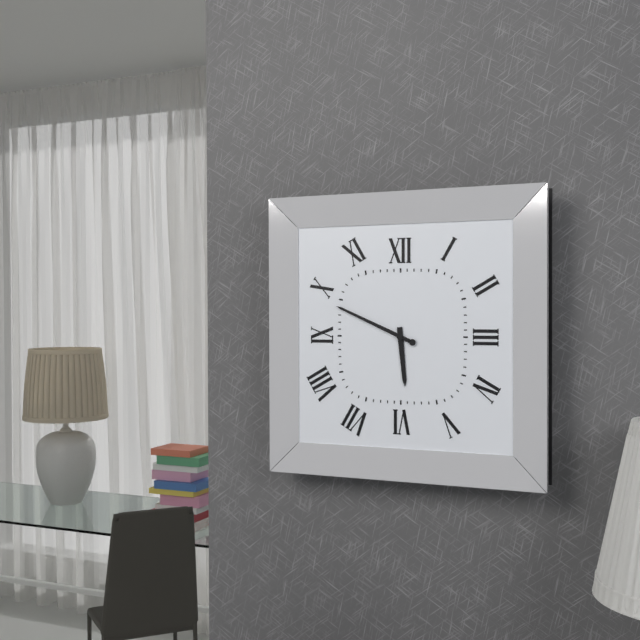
5:49
